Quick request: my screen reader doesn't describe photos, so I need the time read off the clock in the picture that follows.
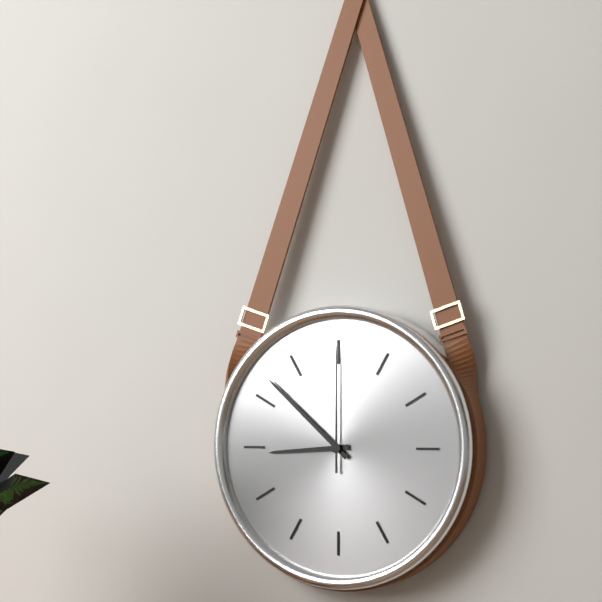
8:52:00
